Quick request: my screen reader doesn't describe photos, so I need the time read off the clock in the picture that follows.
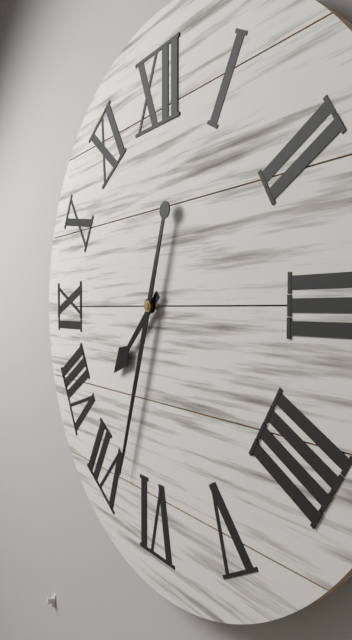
7:33
